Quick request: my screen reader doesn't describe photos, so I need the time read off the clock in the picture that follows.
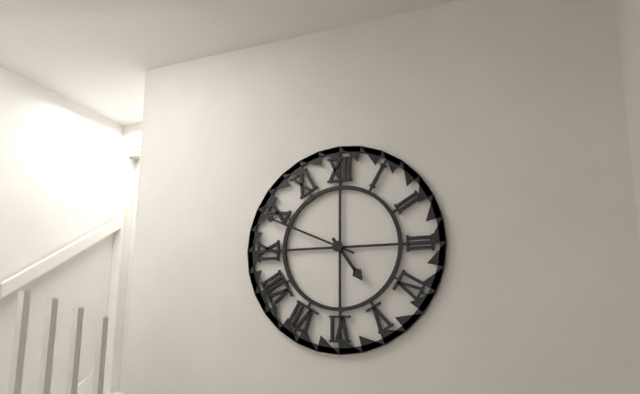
4:49
